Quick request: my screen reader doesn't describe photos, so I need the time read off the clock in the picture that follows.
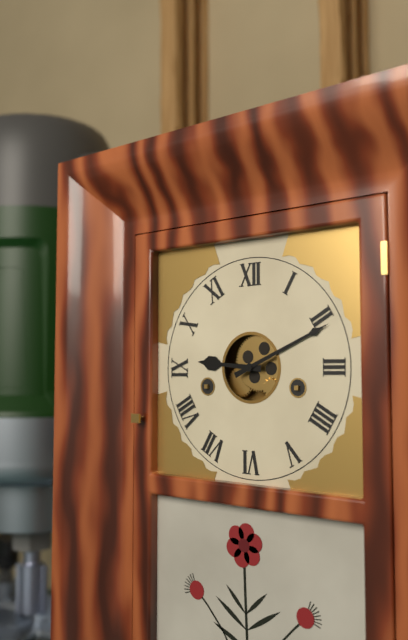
9:11
